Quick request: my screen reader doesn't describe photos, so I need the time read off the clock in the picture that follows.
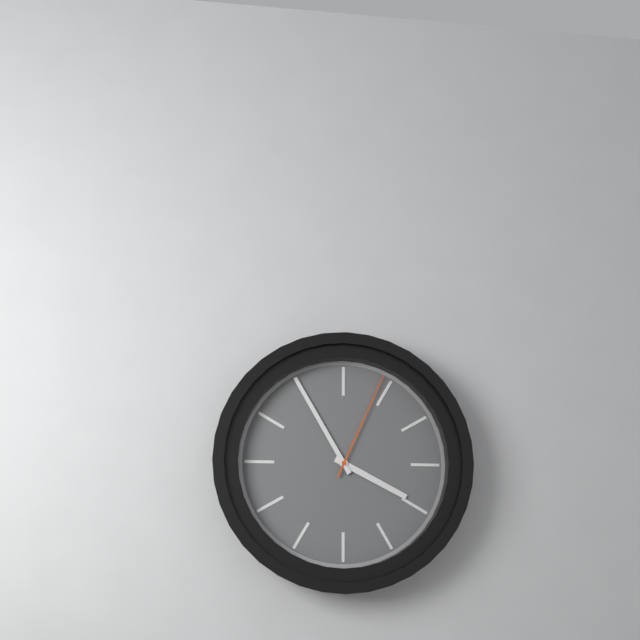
3:55:04
